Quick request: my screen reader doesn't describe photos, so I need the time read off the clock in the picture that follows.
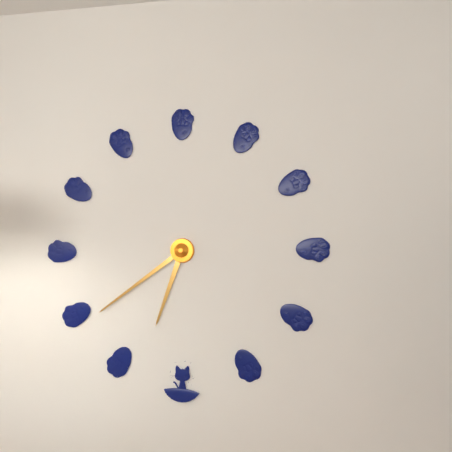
6:39
